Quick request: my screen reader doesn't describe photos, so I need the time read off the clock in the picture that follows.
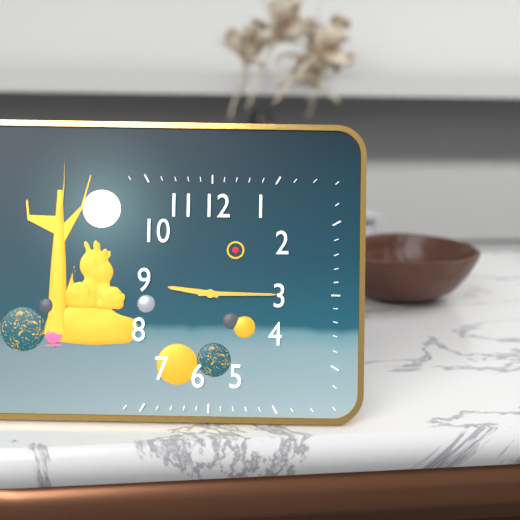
9:15
